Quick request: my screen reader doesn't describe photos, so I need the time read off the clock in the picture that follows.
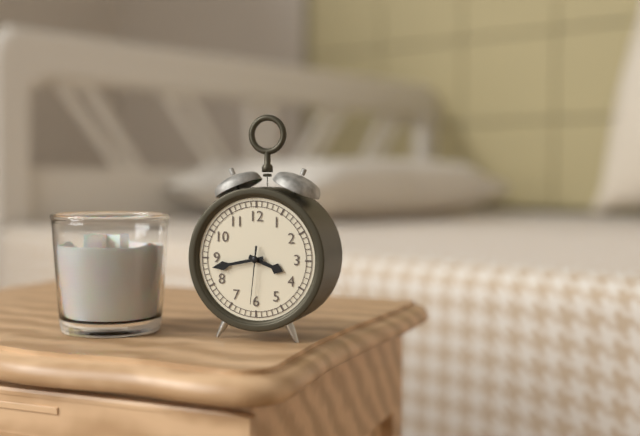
3:43:31
